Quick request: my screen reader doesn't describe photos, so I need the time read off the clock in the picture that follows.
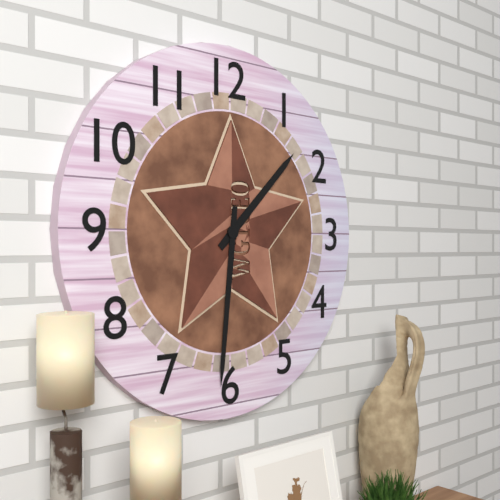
1:31
